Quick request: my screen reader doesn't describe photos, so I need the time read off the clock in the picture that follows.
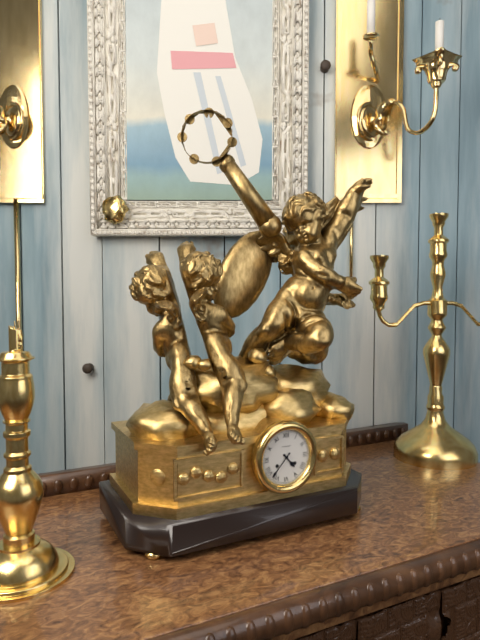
4:37
